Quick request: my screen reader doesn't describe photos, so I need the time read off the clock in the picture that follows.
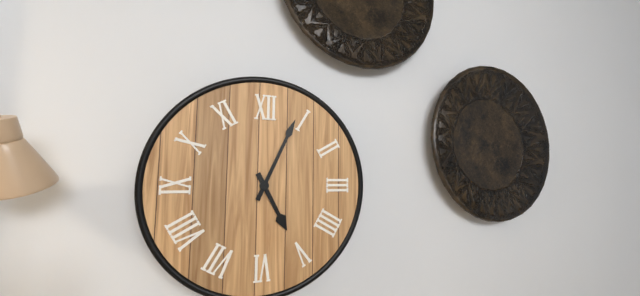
5:04
